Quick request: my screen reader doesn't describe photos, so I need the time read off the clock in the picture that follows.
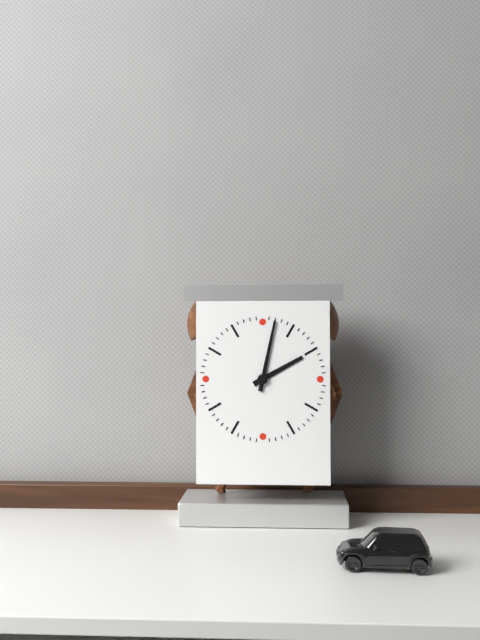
2:02
